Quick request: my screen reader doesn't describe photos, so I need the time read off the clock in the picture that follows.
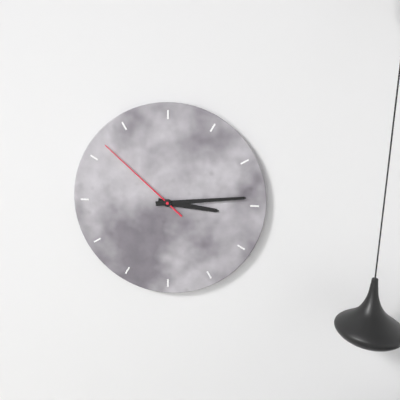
3:14:52
